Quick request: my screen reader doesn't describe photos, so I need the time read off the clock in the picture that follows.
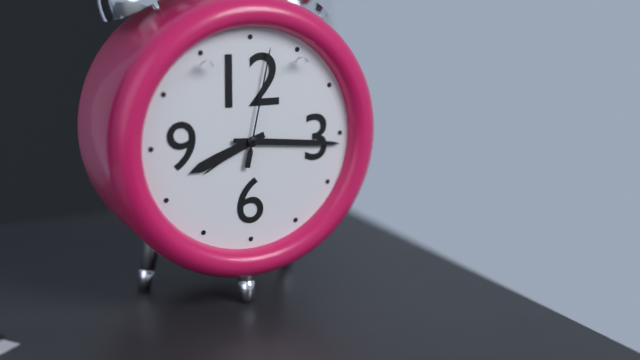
8:16:02
